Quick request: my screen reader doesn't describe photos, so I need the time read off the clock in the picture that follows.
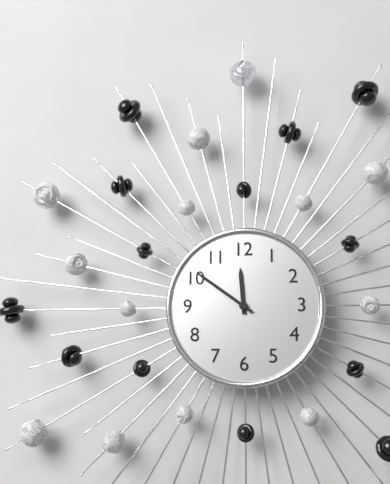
11:51
